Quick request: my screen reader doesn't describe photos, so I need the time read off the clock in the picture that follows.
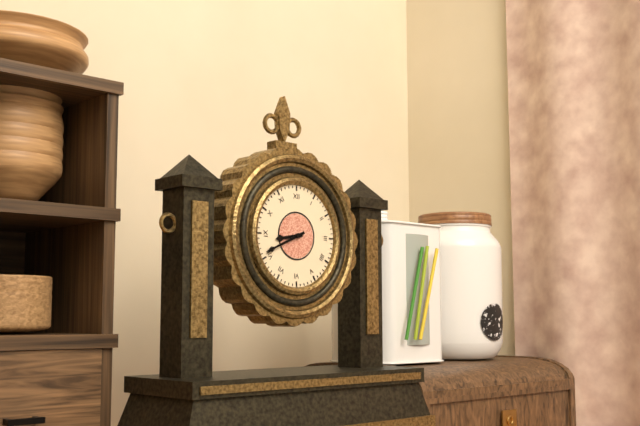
8:41
